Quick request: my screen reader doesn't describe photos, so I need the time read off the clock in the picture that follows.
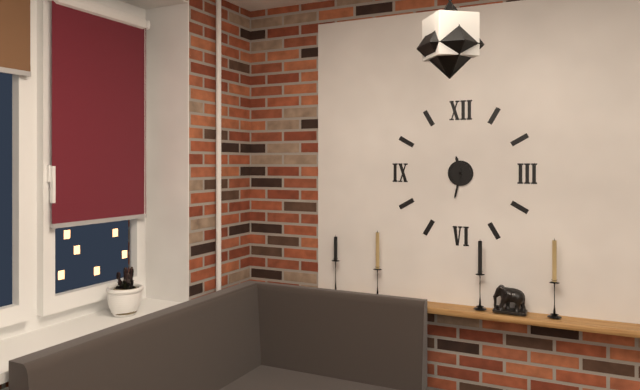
11:32
